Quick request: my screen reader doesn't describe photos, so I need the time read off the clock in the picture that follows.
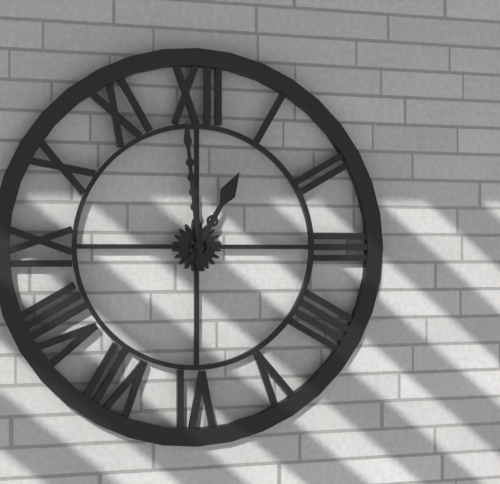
12:59
